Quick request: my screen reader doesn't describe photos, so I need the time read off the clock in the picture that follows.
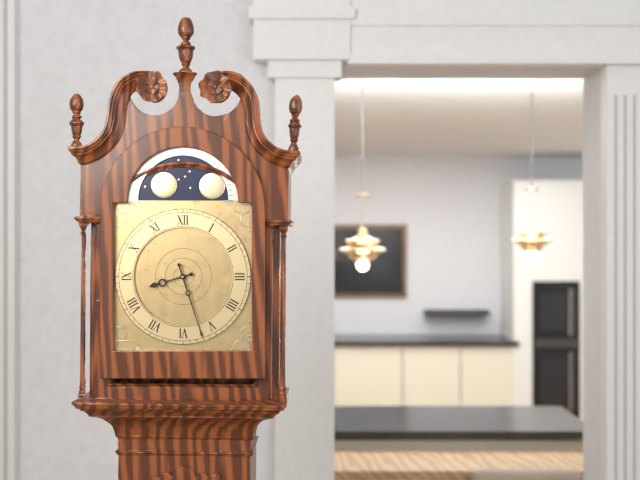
8:27
